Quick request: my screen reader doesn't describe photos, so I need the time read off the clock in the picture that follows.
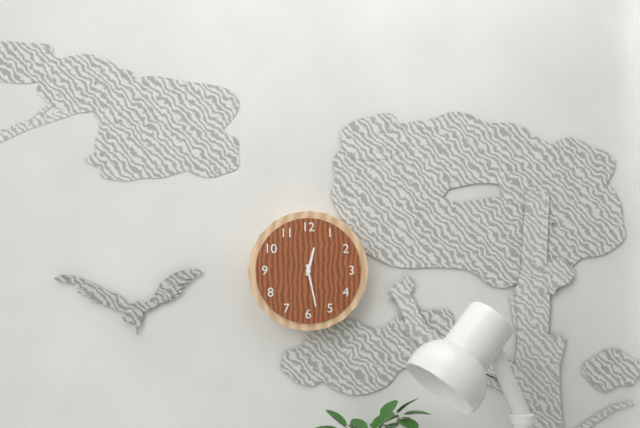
12:28
